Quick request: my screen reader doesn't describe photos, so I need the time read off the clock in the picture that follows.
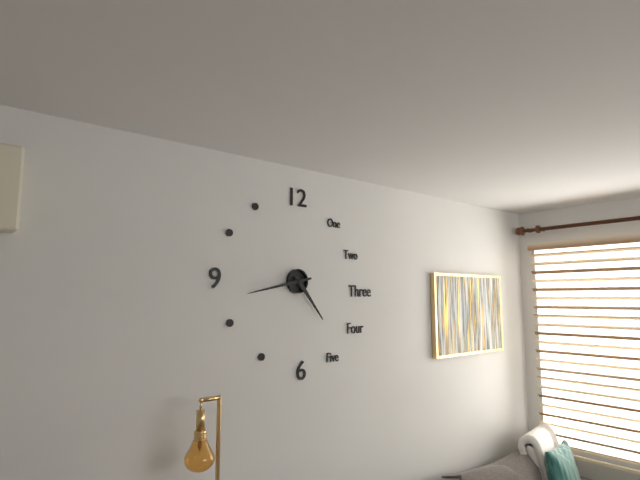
4:43
